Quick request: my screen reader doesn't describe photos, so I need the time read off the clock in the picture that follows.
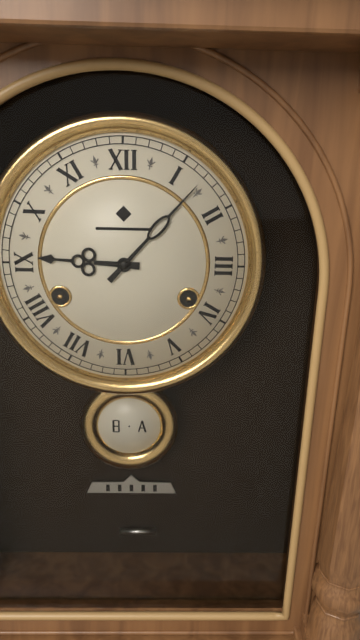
9:07
